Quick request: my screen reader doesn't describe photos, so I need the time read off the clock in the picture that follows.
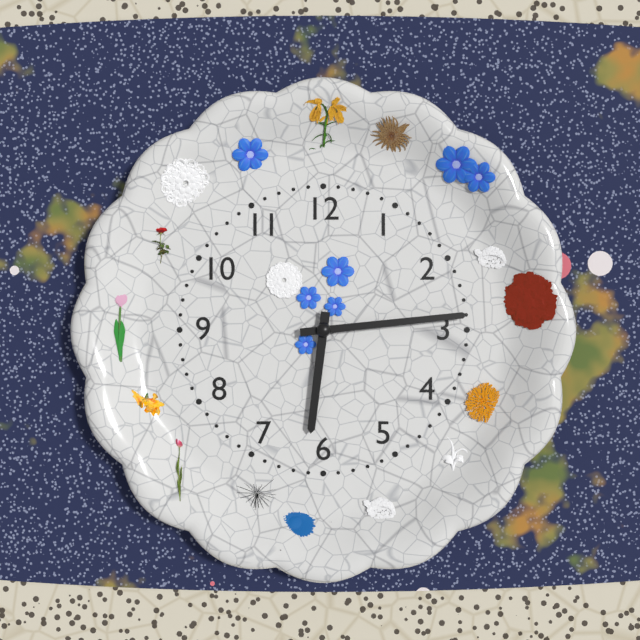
6:14
